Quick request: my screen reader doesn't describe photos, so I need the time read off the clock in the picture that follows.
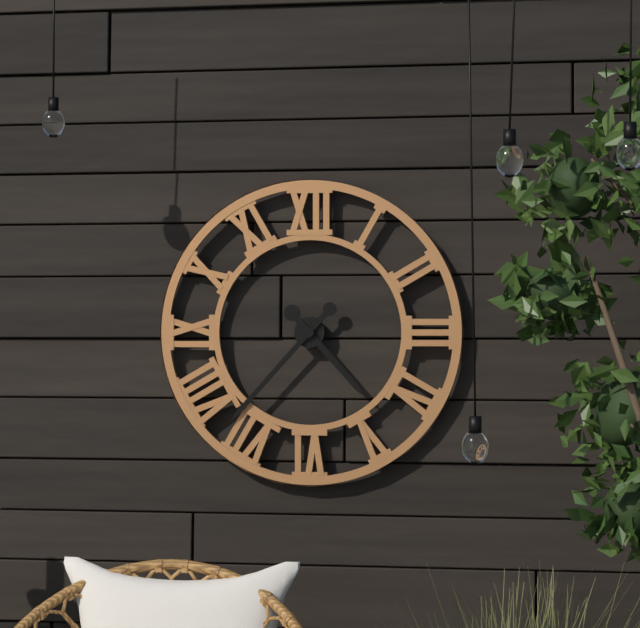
4:37
